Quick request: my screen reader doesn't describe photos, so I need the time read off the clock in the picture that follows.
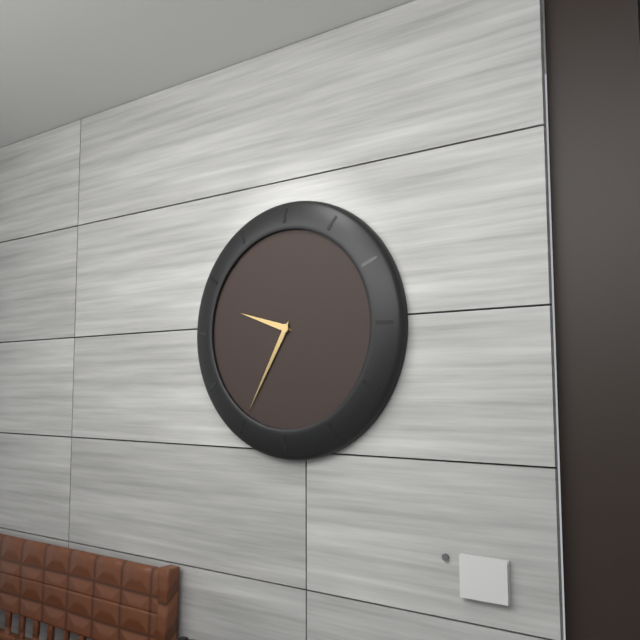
9:35
